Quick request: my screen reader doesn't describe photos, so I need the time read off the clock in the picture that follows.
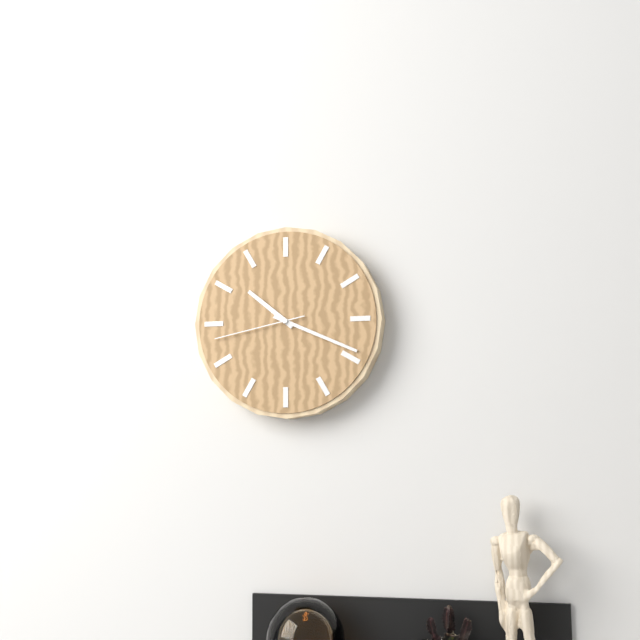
10:19:43
